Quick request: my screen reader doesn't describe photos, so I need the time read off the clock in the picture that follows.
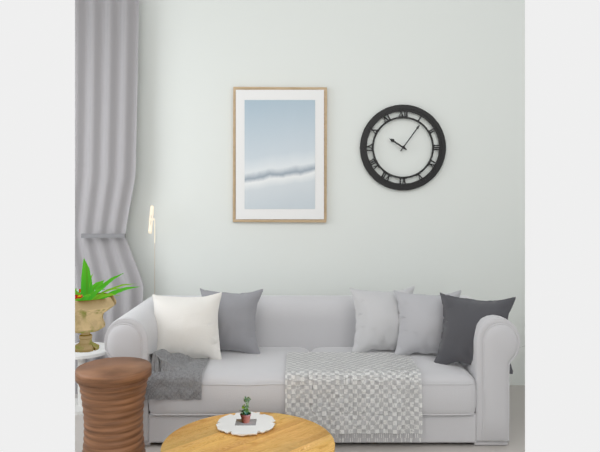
10:06
